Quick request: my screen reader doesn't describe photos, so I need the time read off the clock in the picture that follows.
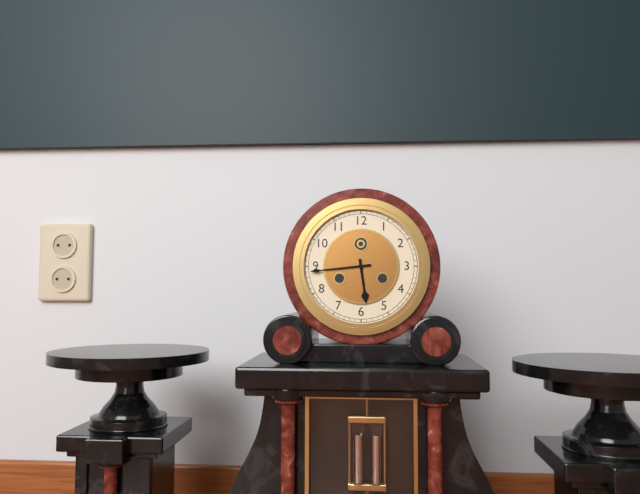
5:44
